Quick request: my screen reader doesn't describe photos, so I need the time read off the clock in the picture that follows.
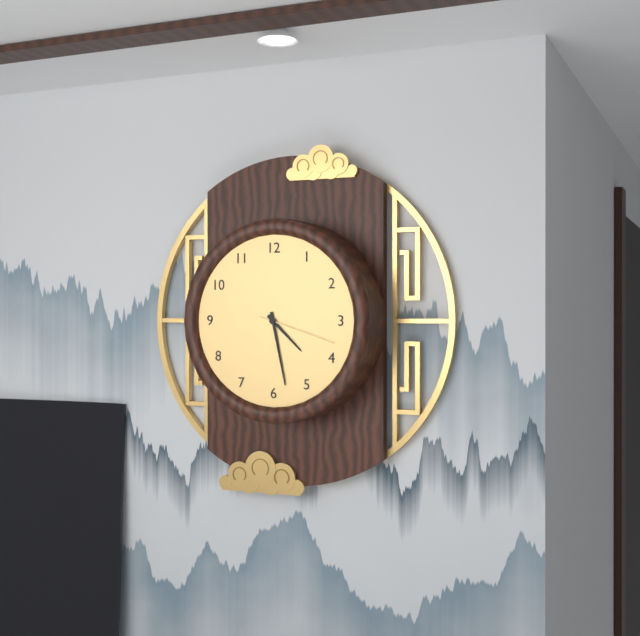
4:28:18
